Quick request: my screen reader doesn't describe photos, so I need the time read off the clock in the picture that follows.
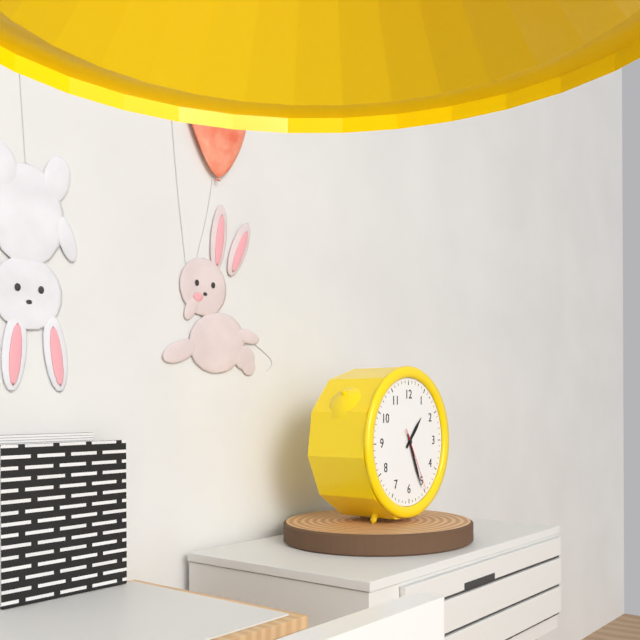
1:26:25
